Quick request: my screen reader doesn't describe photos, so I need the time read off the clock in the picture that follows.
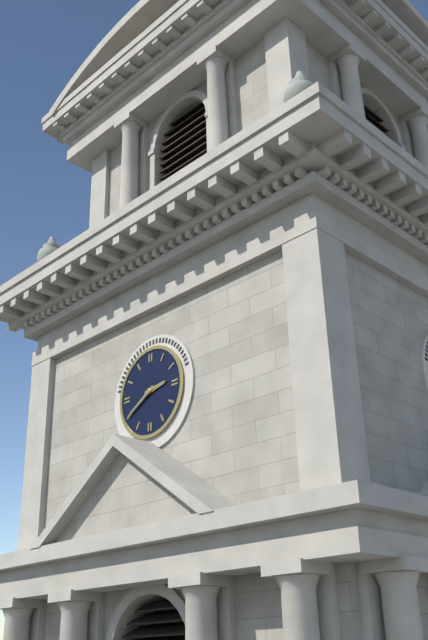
2:40
